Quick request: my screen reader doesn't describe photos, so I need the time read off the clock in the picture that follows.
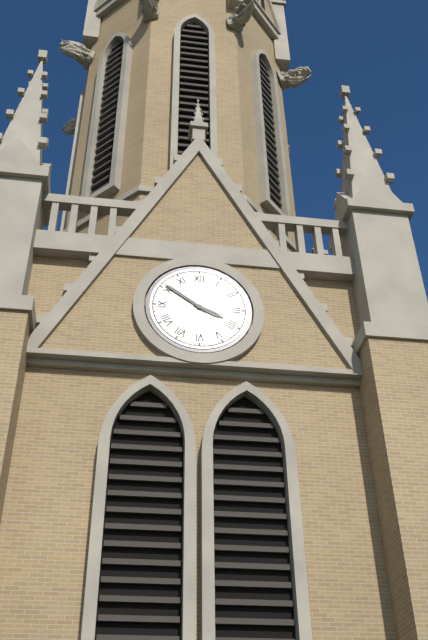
3:51
